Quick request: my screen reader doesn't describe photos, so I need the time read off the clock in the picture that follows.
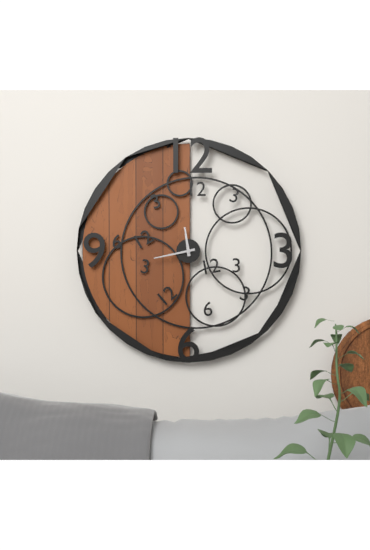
11:43
